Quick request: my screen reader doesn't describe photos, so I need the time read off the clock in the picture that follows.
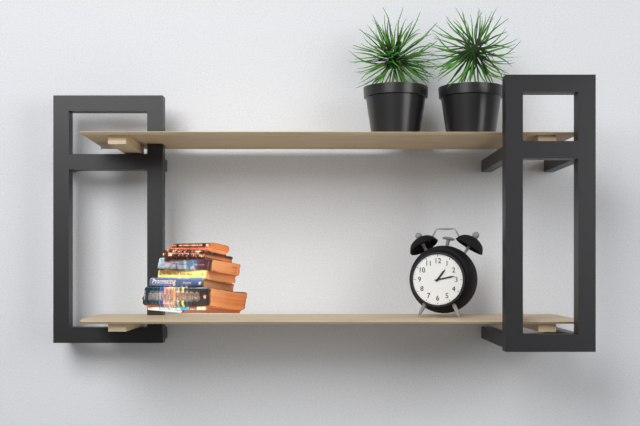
1:13
